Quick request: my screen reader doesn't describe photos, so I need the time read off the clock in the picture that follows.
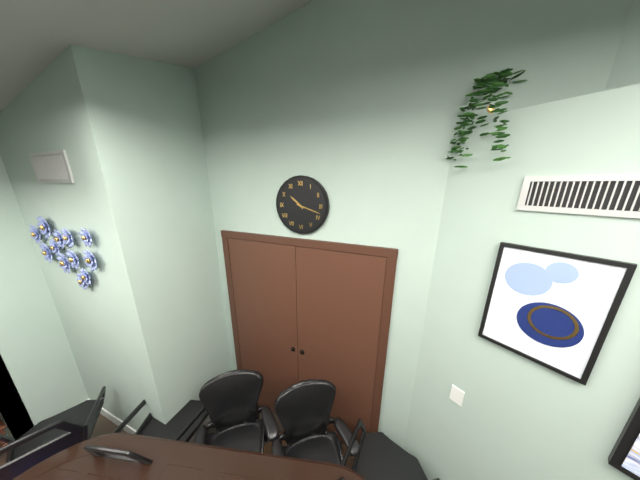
10:18
